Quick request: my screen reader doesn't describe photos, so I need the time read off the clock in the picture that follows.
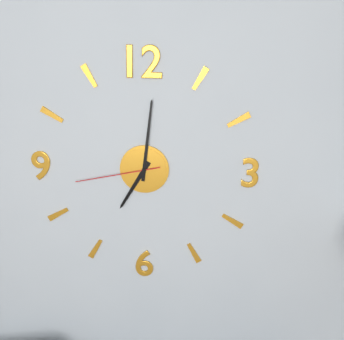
7:01:43
